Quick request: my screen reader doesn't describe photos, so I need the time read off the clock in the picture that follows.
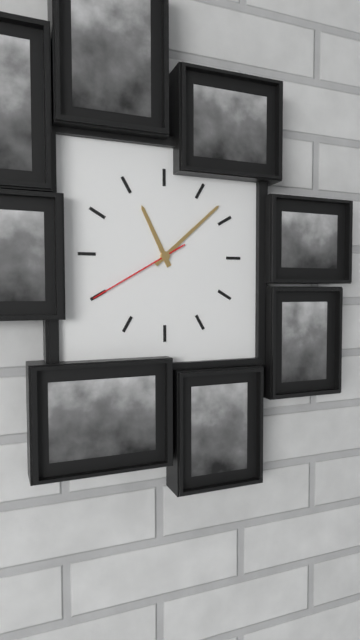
11:08:40
